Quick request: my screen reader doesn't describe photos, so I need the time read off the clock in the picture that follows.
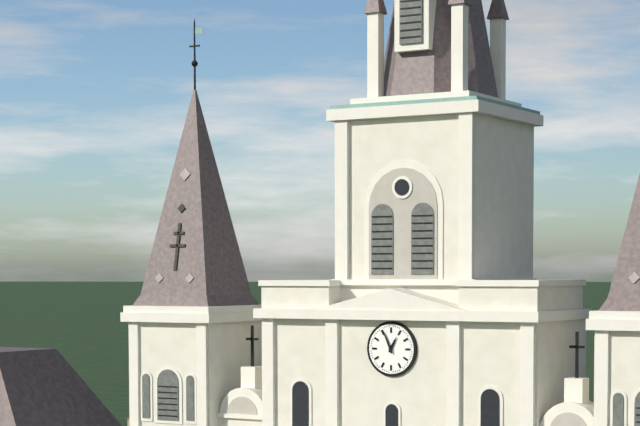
12:56
